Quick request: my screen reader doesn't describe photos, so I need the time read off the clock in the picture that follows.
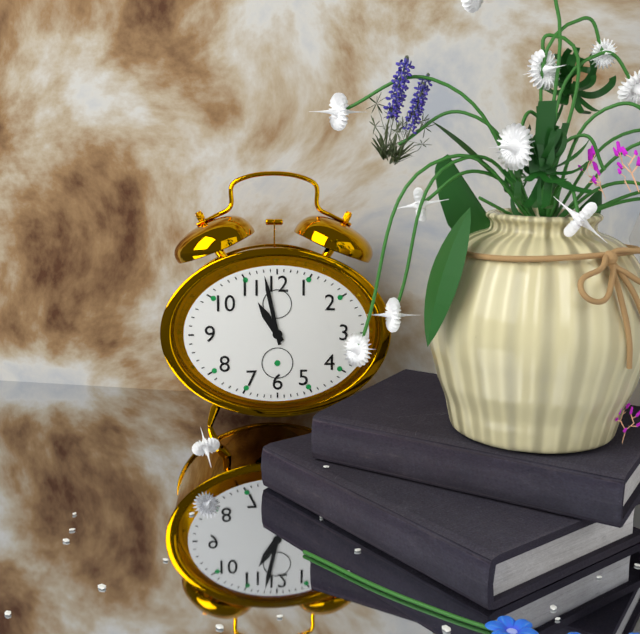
10:58
